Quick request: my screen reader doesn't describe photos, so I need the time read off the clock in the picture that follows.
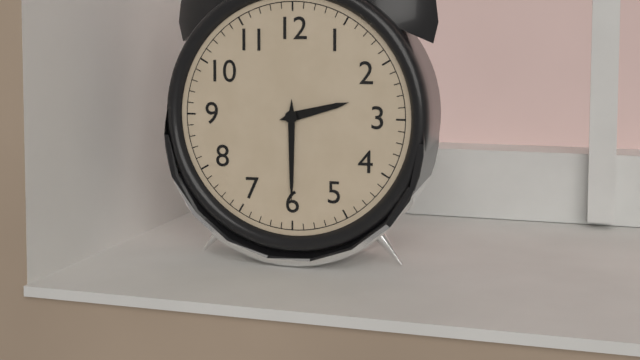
2:30
